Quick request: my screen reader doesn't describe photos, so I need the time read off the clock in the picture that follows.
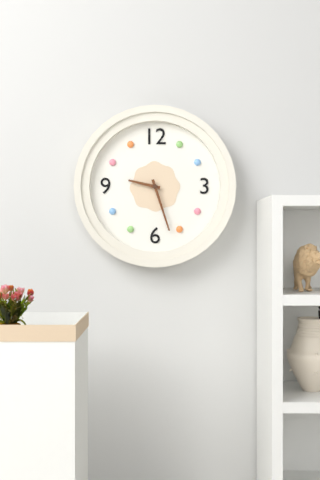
9:27
